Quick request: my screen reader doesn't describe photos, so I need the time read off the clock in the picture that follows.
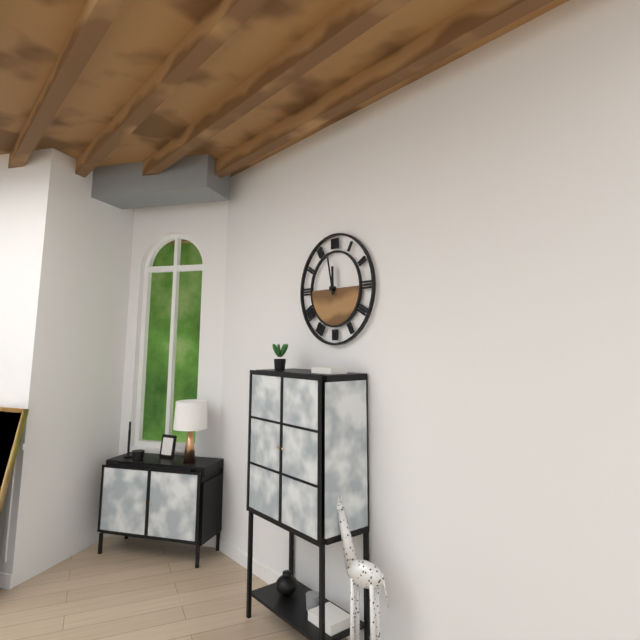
11:58
